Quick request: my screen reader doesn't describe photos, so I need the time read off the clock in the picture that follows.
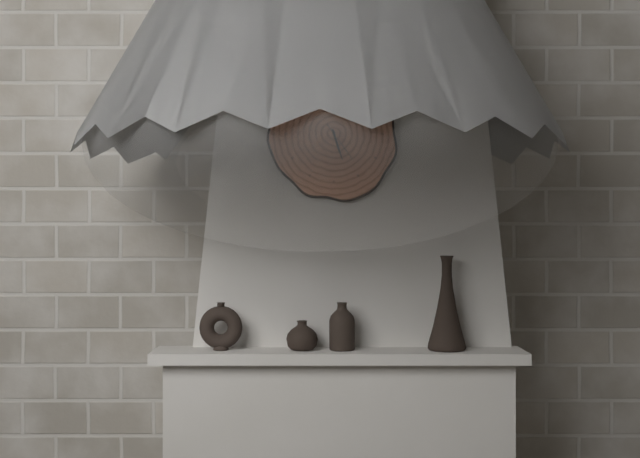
5:27
